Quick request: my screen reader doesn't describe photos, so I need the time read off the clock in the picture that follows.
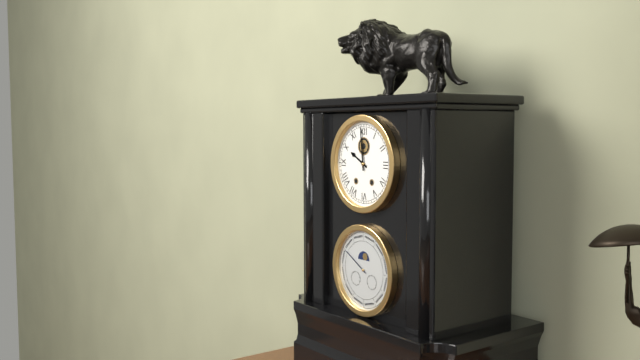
9:59
